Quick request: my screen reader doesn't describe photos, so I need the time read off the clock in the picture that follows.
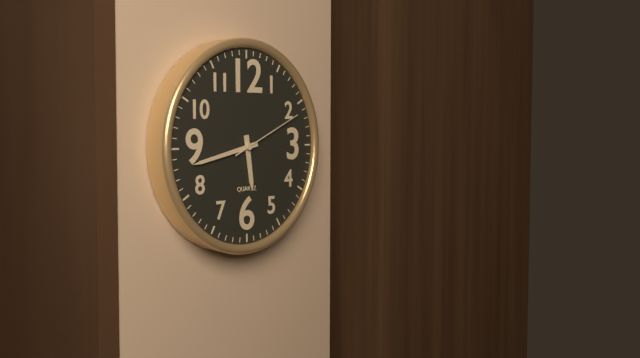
5:43:11
